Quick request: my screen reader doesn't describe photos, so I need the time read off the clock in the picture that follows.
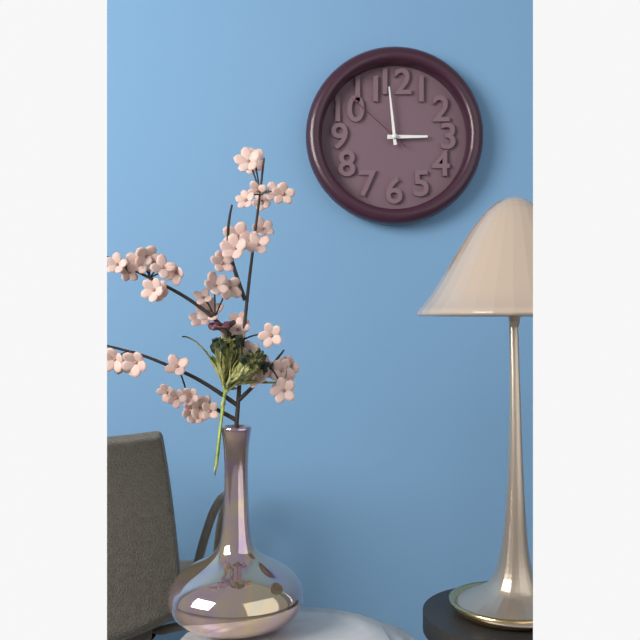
2:59:52
